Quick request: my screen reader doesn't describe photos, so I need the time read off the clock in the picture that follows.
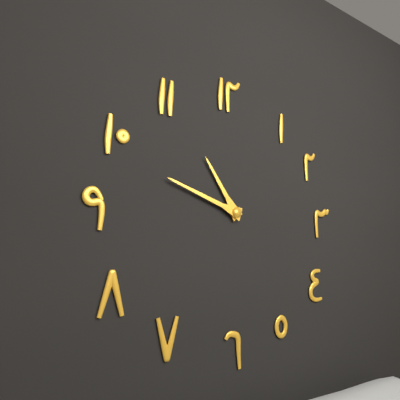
10:48
